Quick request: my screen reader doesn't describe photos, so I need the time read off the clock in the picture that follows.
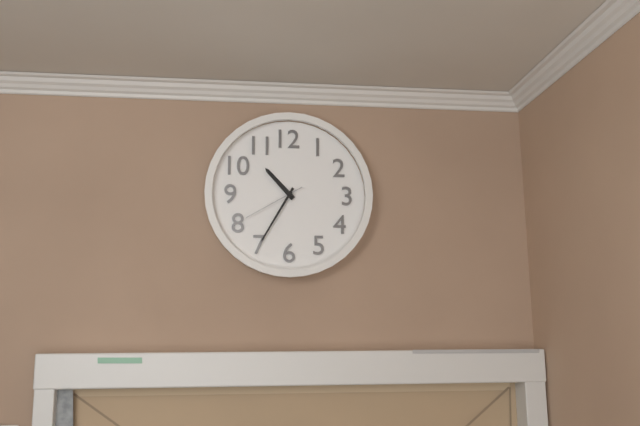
10:35:40
